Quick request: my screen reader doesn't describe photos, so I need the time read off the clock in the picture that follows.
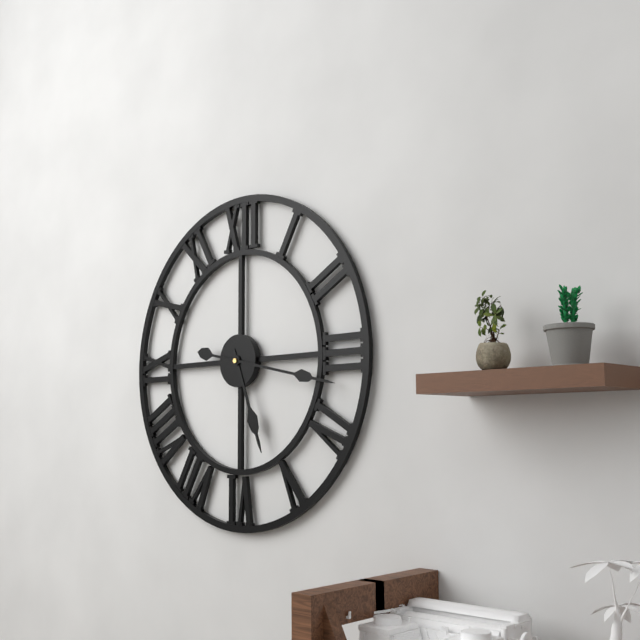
5:17
